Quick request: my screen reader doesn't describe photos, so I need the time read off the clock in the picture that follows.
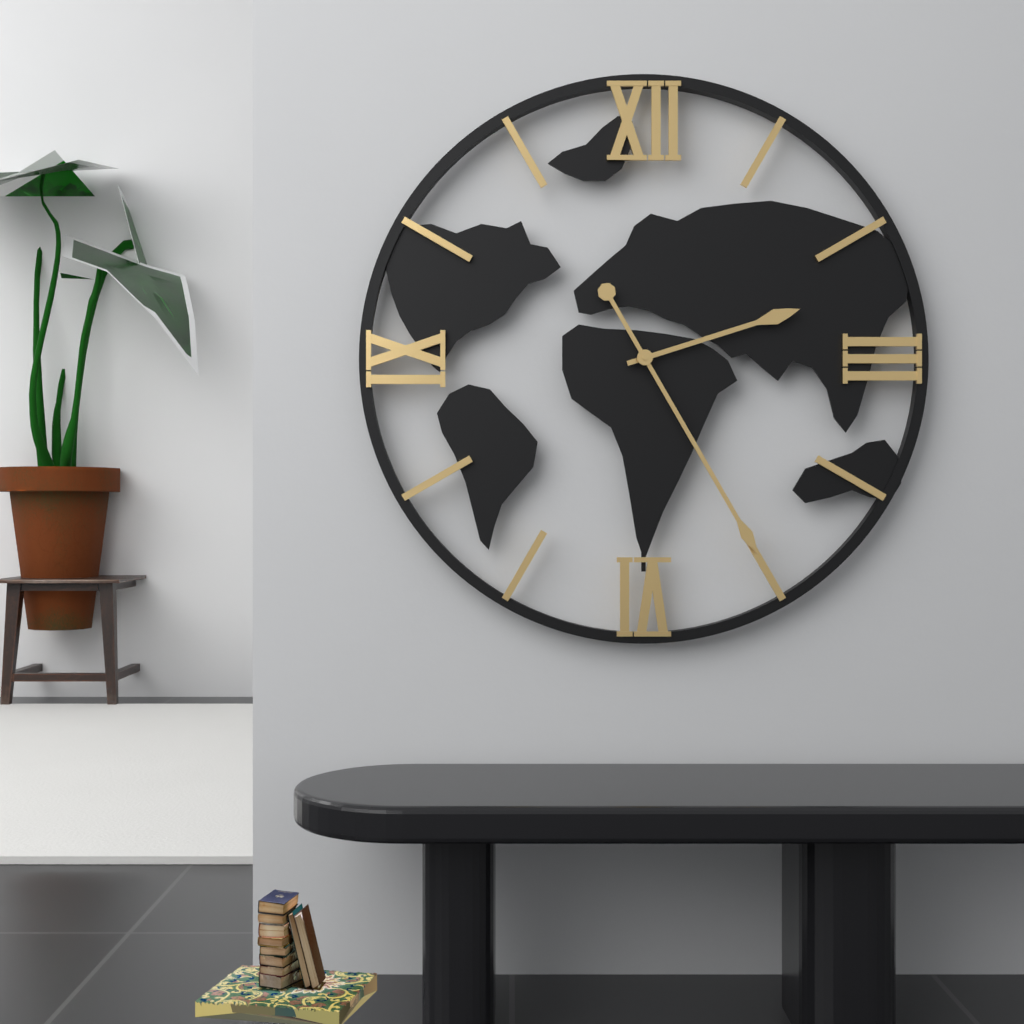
2:25
